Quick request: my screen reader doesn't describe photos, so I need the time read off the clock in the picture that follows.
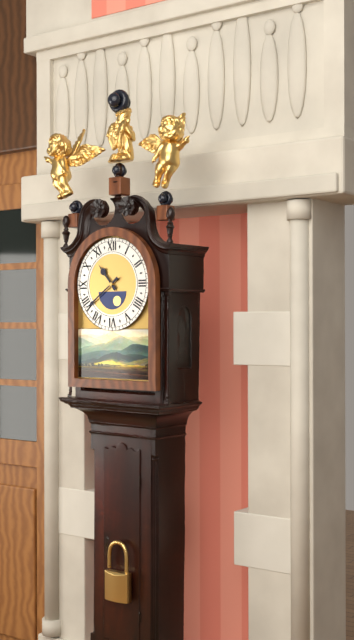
10:39
